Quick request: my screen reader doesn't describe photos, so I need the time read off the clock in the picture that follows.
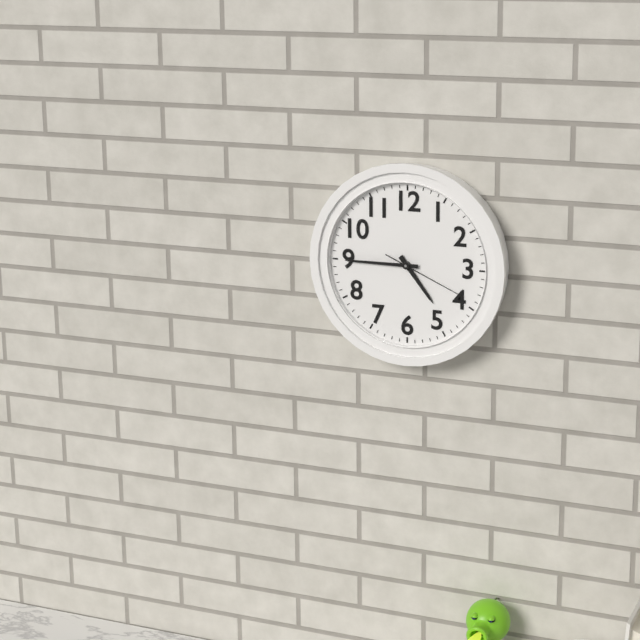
4:45:19
